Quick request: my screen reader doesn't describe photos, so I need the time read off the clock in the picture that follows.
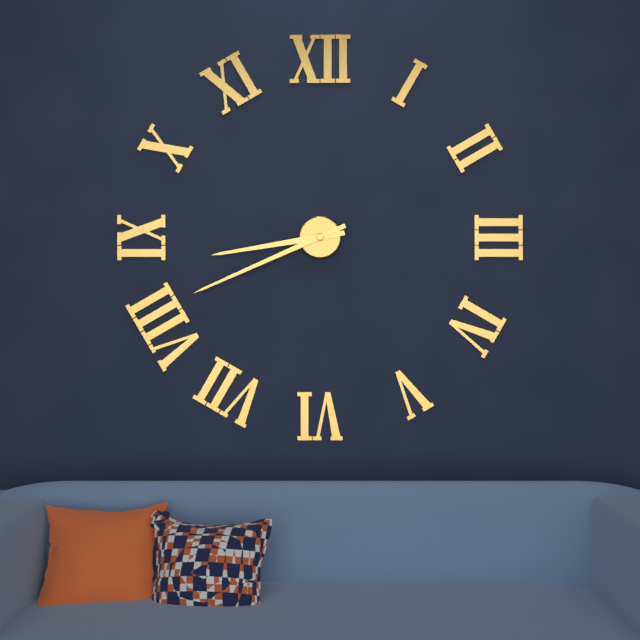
8:41
